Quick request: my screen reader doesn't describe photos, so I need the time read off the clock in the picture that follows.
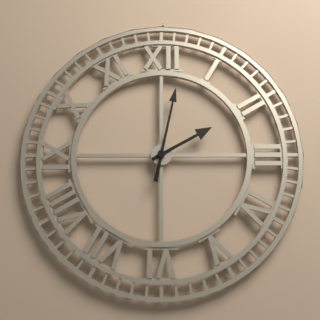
2:02
